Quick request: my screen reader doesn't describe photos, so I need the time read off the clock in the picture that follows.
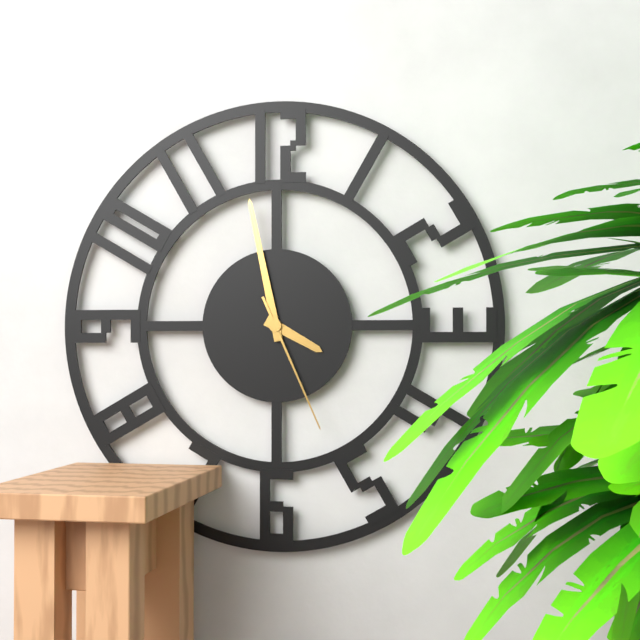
3:58:26
